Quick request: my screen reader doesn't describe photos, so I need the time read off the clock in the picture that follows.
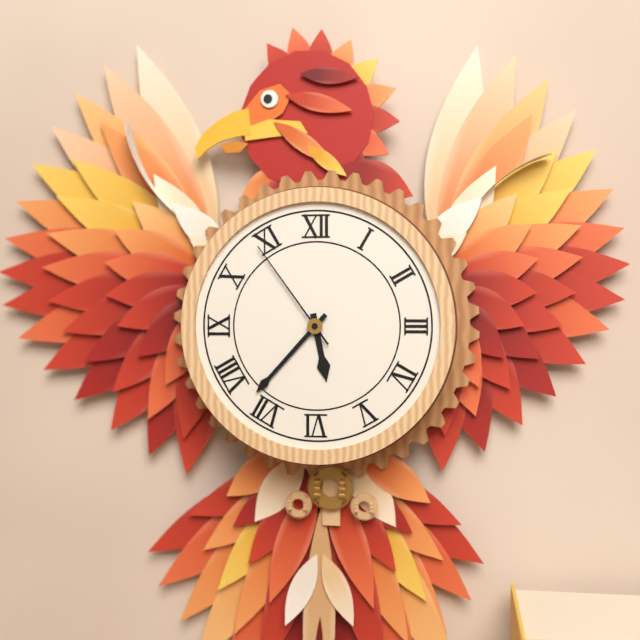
5:37:54
